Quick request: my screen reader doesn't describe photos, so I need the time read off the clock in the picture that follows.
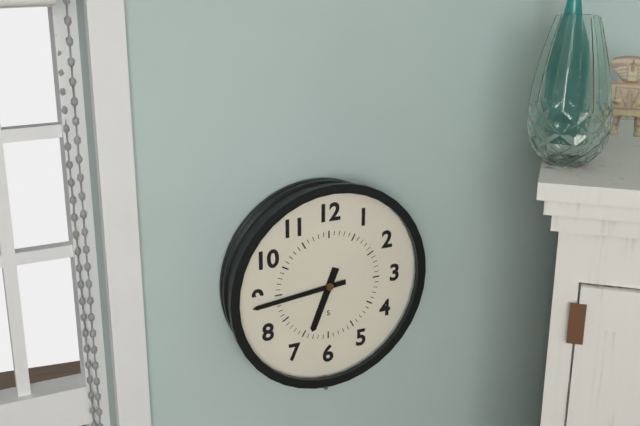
6:44
